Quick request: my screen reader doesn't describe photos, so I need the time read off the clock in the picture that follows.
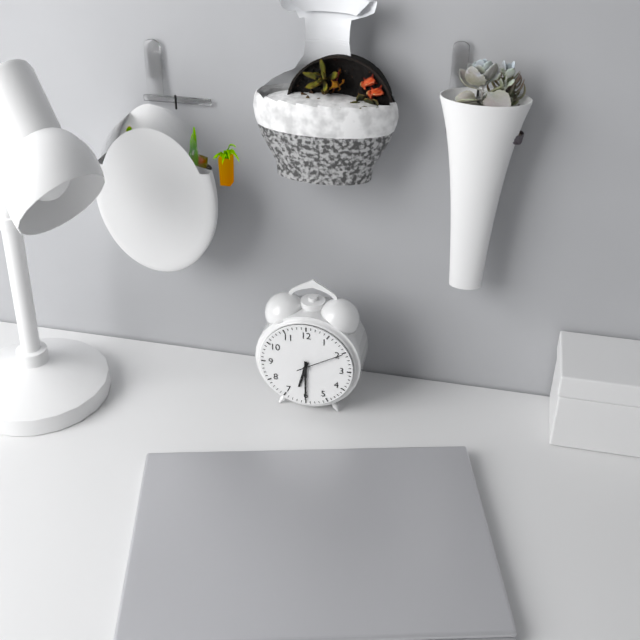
6:30
